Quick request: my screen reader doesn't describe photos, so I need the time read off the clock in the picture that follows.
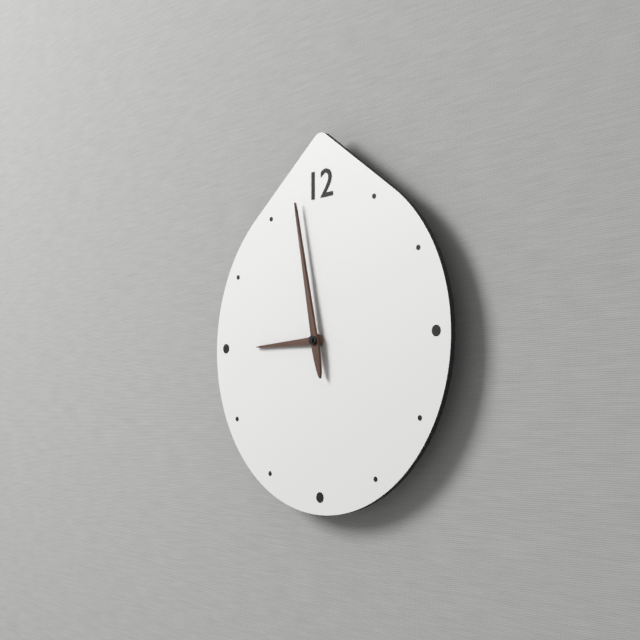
8:58
